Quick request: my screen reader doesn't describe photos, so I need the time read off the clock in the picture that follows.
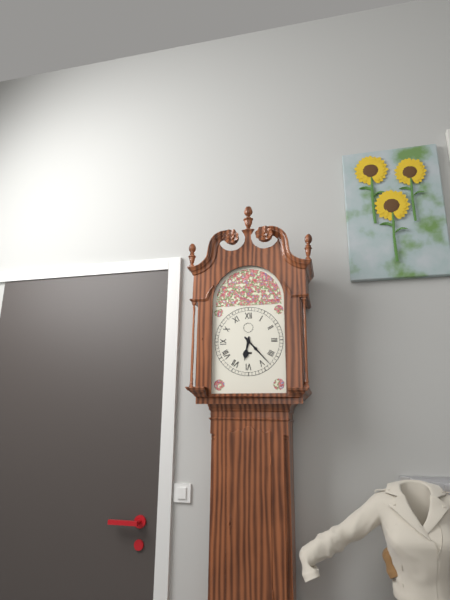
6:23
